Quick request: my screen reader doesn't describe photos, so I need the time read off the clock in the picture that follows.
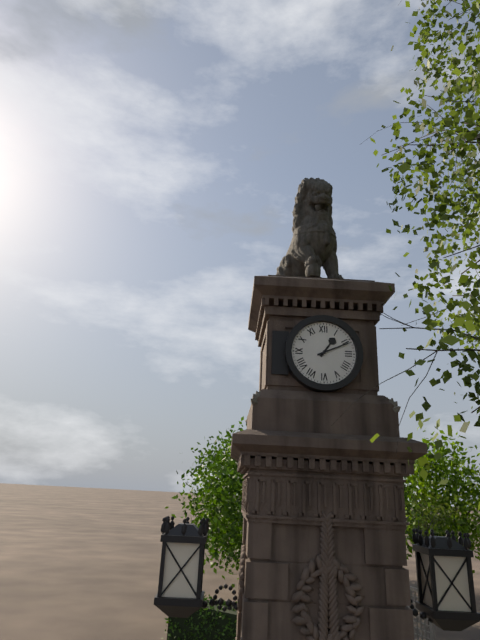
1:11
